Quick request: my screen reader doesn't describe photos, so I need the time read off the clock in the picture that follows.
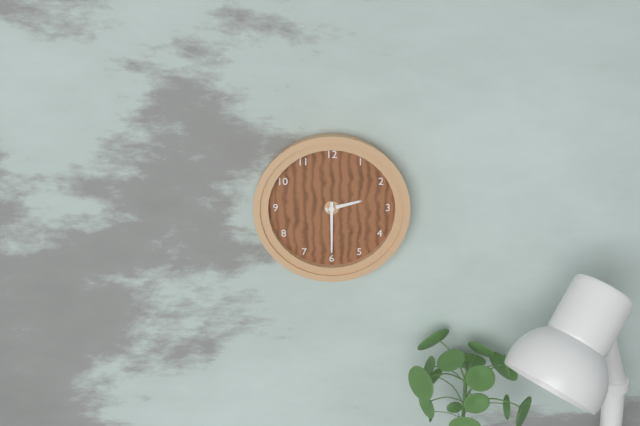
2:30
